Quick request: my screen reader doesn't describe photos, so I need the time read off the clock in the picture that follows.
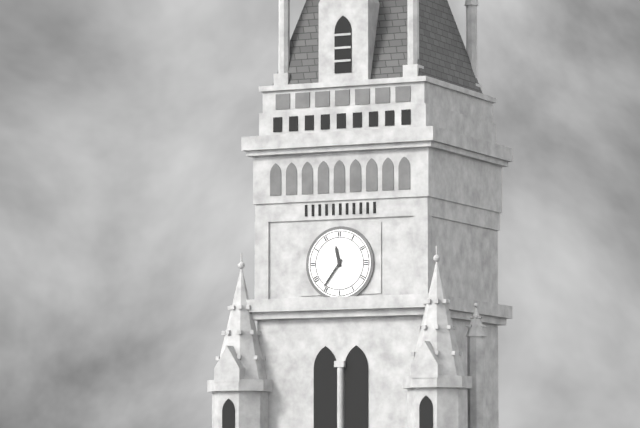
11:36
